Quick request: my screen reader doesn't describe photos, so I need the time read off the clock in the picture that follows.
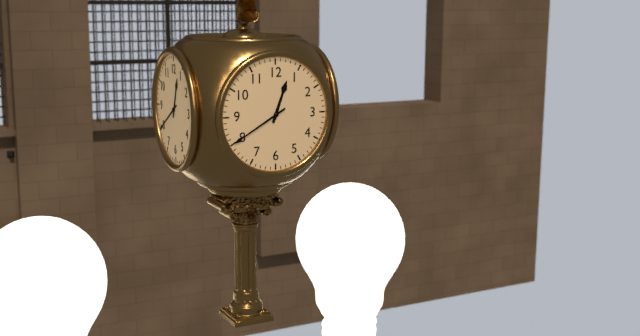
12:40
